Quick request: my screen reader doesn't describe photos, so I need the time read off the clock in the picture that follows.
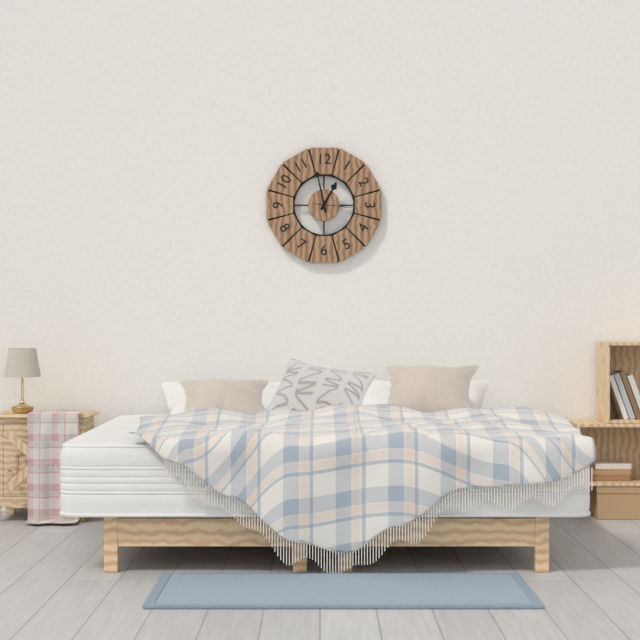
12:58
